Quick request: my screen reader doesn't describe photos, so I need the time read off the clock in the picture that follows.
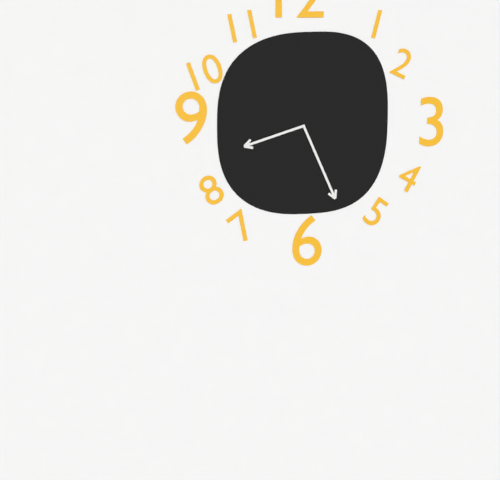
8:26
